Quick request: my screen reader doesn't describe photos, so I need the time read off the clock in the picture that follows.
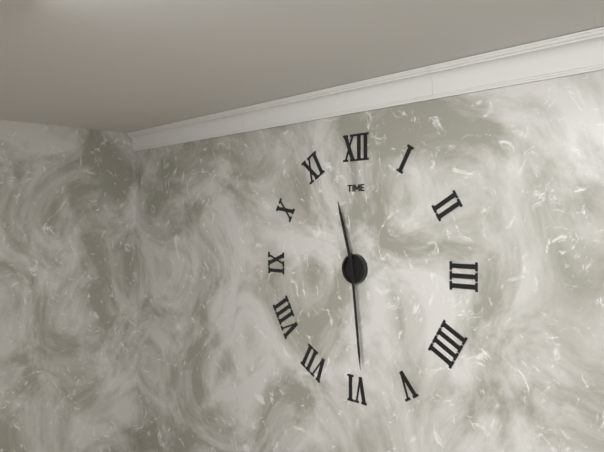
11:29
